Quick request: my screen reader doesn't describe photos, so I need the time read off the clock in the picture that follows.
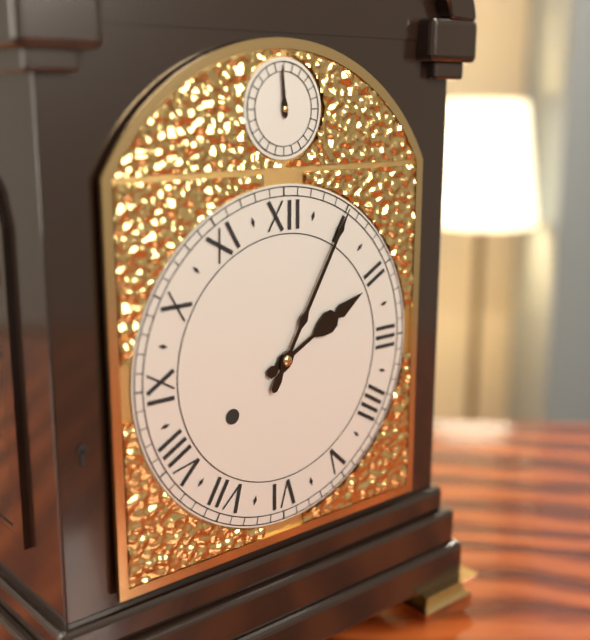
2:05
